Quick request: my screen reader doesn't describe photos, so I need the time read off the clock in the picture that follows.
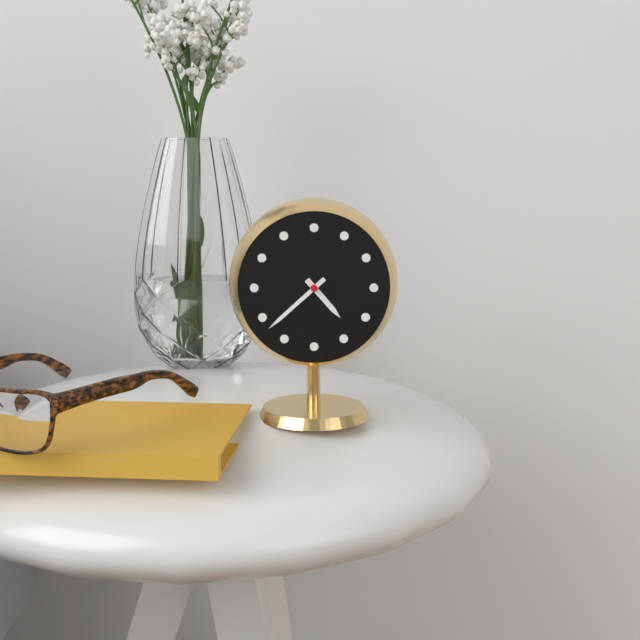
4:38
